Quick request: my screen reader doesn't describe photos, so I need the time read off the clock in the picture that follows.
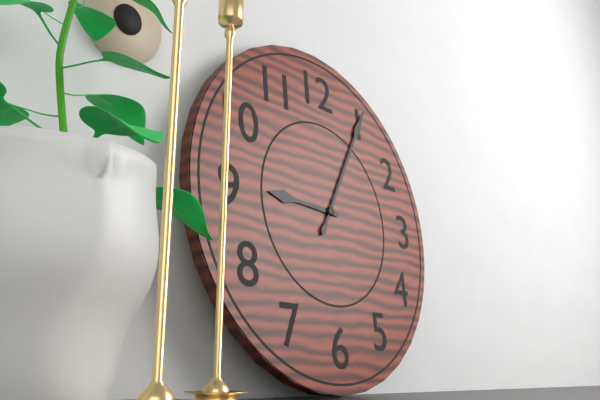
9:05
